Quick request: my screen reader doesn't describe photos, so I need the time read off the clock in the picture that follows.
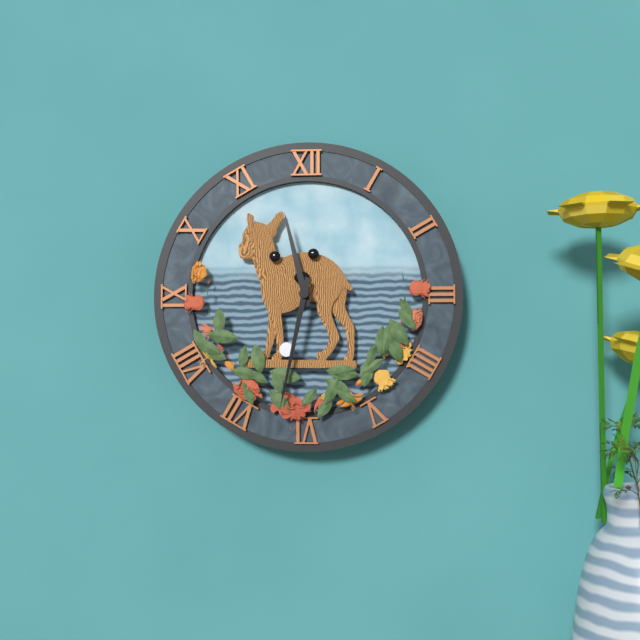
11:32
